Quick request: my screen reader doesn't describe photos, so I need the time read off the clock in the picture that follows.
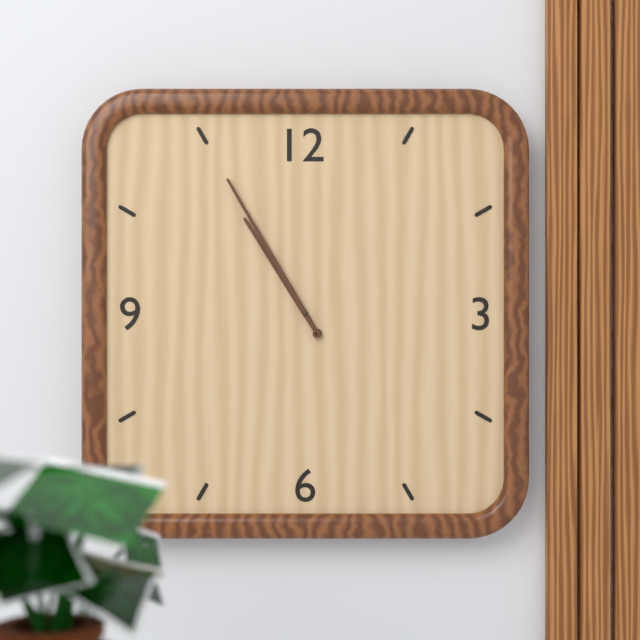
10:55
